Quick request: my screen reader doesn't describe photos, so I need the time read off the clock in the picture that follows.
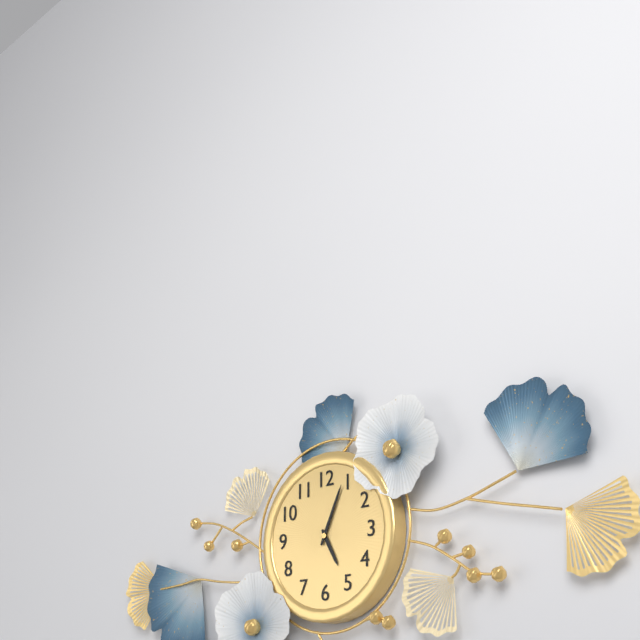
5:04
